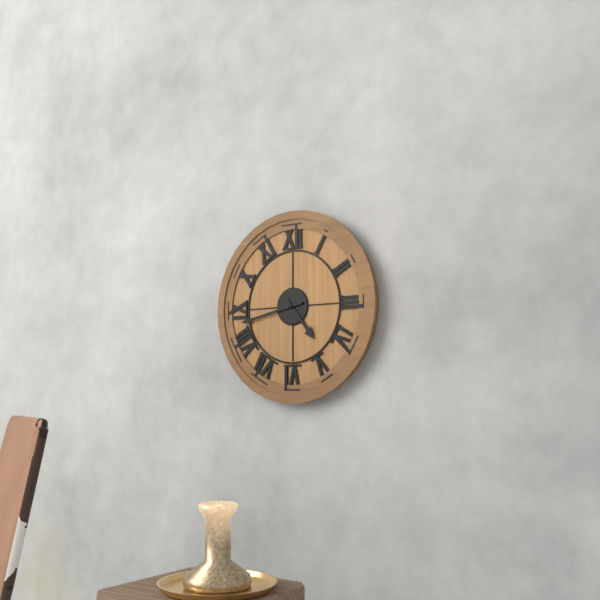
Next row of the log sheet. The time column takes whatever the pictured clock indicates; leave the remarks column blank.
4:43
